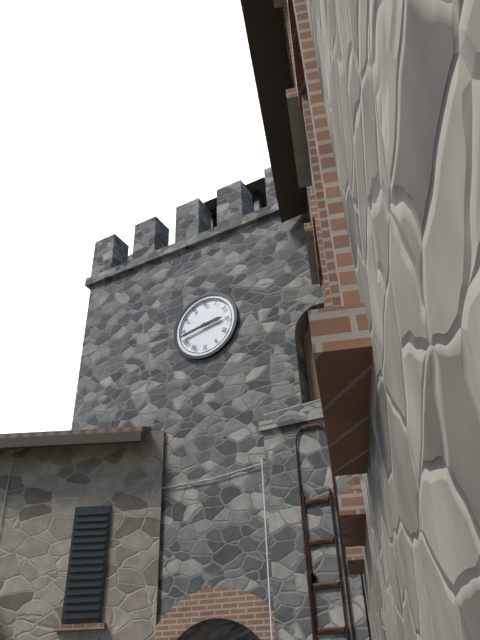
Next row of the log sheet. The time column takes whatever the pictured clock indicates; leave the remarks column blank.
2:43
